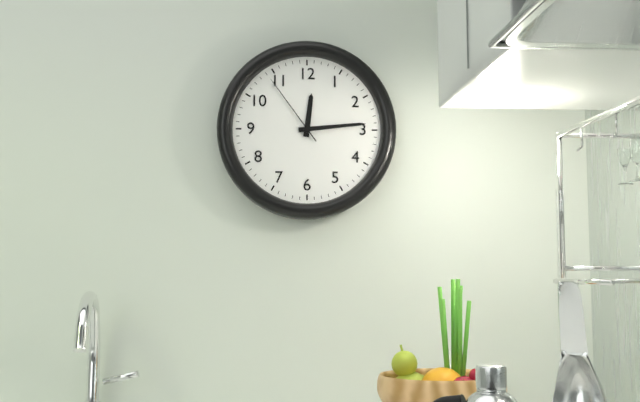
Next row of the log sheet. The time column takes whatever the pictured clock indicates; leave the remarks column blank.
12:14:54
